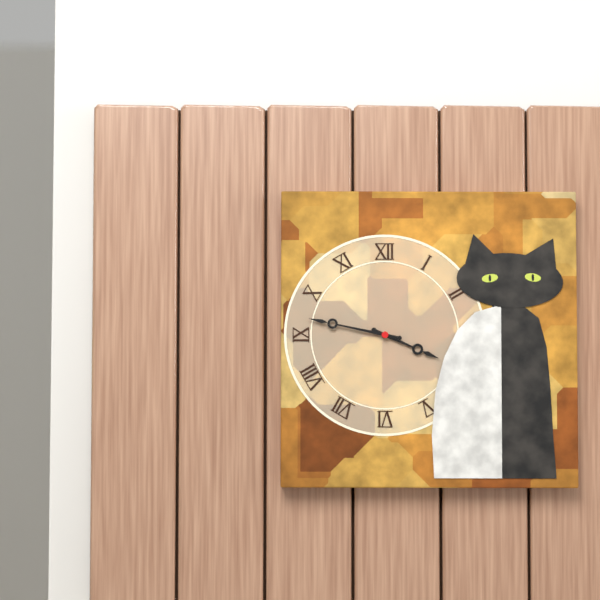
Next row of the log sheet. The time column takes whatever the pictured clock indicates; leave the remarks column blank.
3:47
